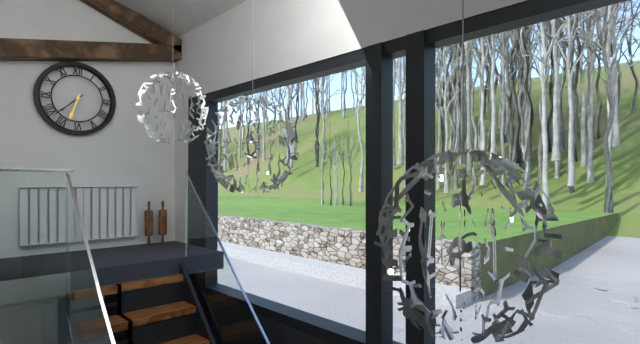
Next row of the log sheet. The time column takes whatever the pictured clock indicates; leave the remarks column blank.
6:38
